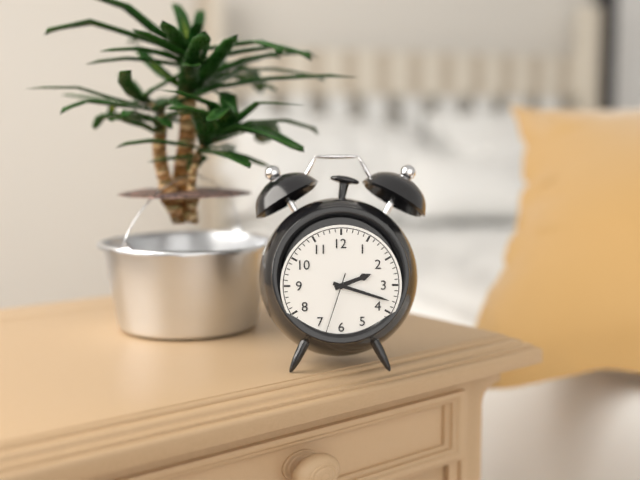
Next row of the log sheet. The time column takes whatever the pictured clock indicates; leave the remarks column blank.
2:18:33
